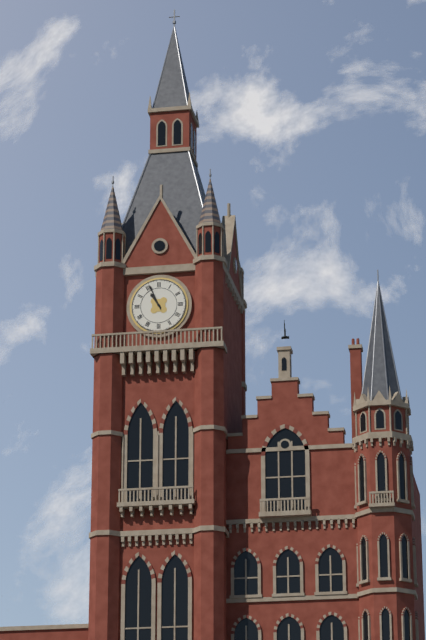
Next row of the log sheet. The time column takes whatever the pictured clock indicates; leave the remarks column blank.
10:56
